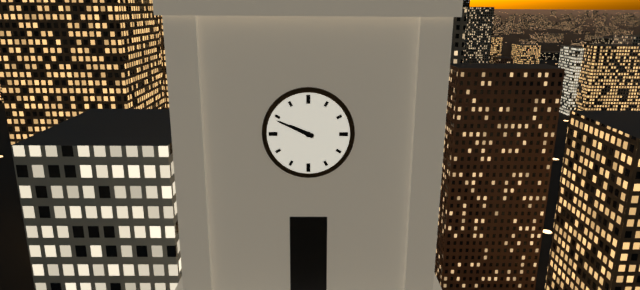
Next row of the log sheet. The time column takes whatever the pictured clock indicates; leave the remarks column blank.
9:49
